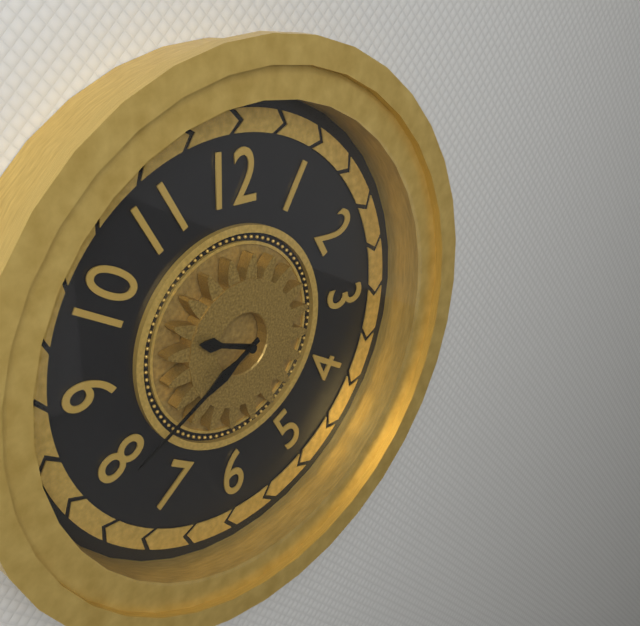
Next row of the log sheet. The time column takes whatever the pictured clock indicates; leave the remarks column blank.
9:40
